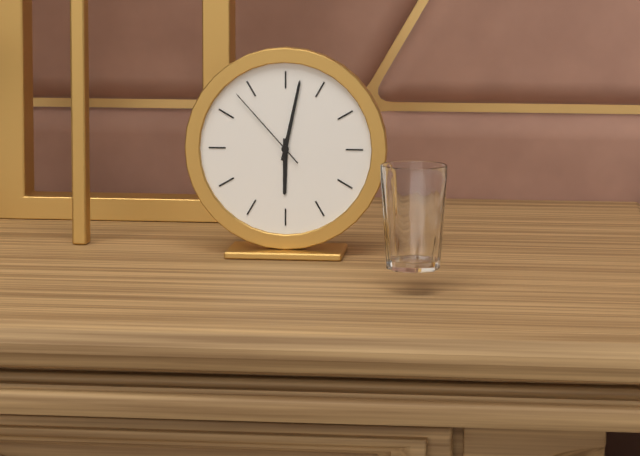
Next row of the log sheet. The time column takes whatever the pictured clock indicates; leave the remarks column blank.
6:02:53
